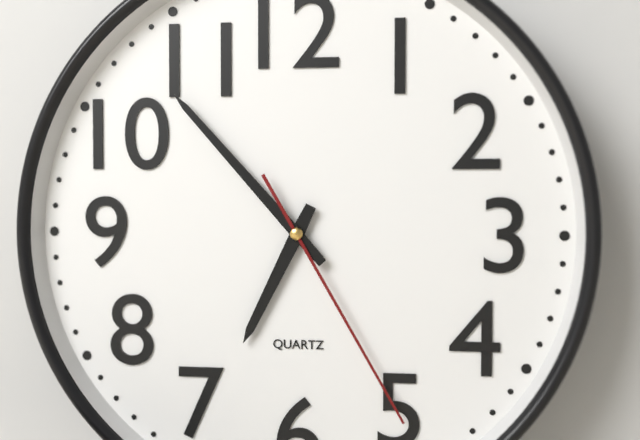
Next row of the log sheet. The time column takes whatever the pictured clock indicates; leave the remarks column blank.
6:53:25
